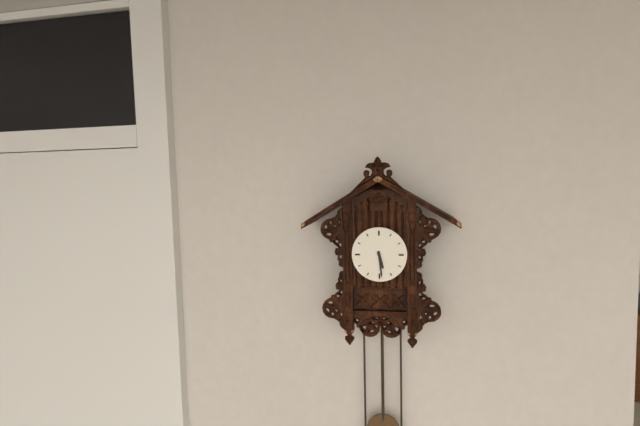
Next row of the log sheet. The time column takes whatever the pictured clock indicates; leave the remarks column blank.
5:29
